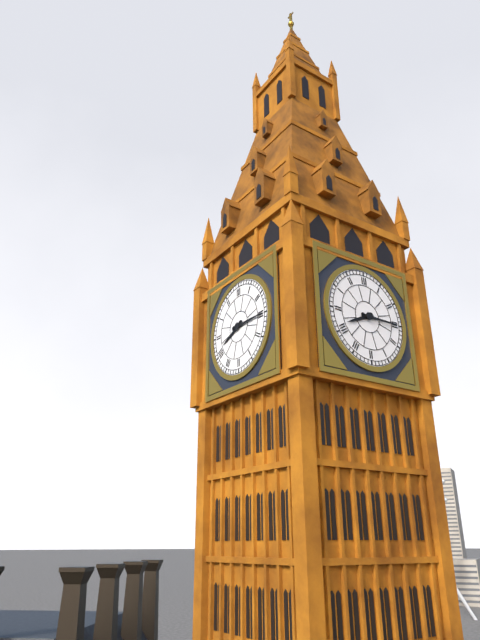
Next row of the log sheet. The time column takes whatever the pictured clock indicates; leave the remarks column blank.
8:15
